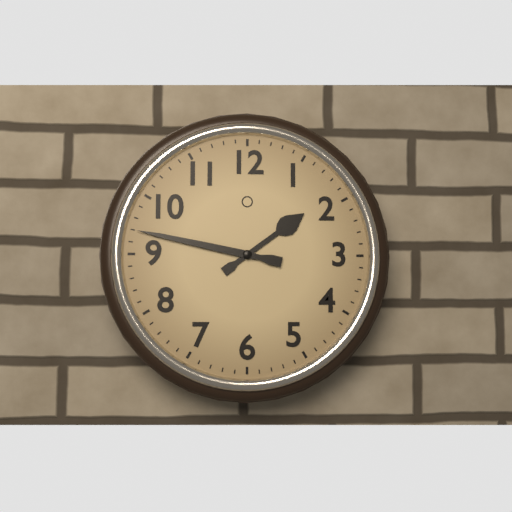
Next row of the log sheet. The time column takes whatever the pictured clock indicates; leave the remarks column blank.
1:47
